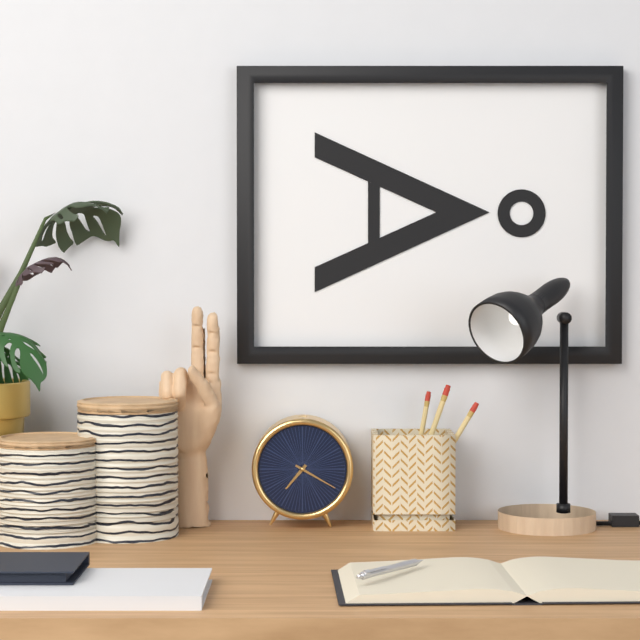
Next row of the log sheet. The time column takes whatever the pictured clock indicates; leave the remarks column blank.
7:20
